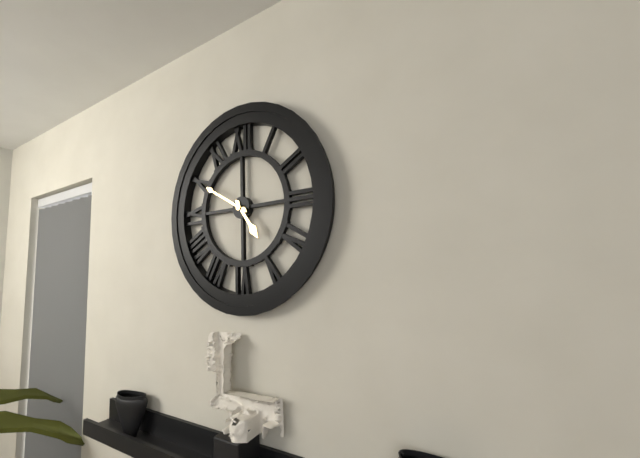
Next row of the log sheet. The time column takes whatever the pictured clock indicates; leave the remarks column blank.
4:50
